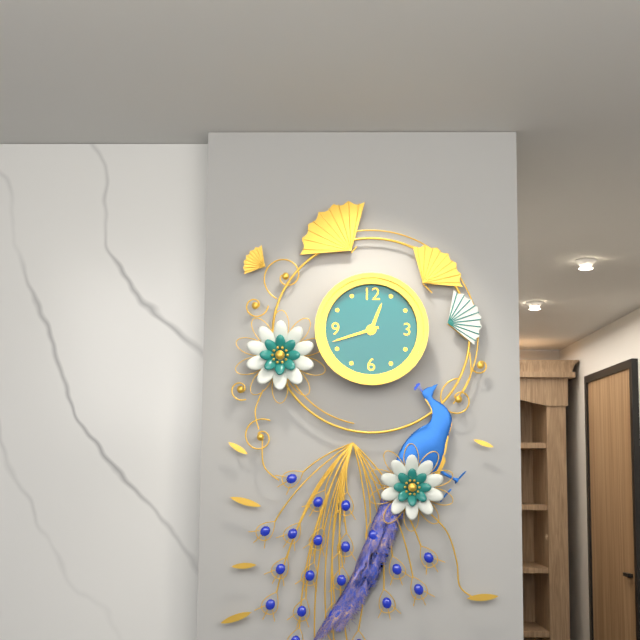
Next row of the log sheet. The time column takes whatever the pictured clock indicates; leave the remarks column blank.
12:42
